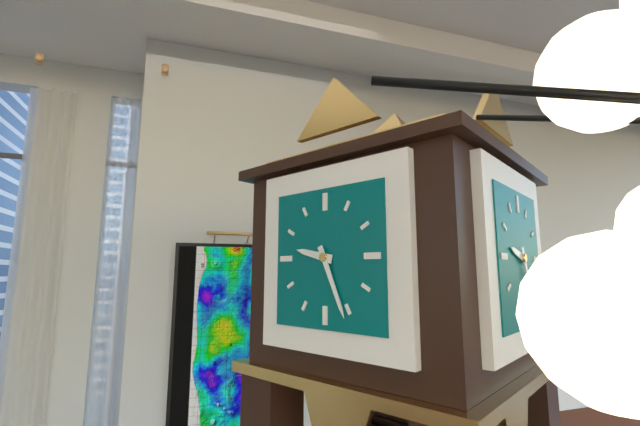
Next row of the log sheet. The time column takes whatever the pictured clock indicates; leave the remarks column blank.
9:26
